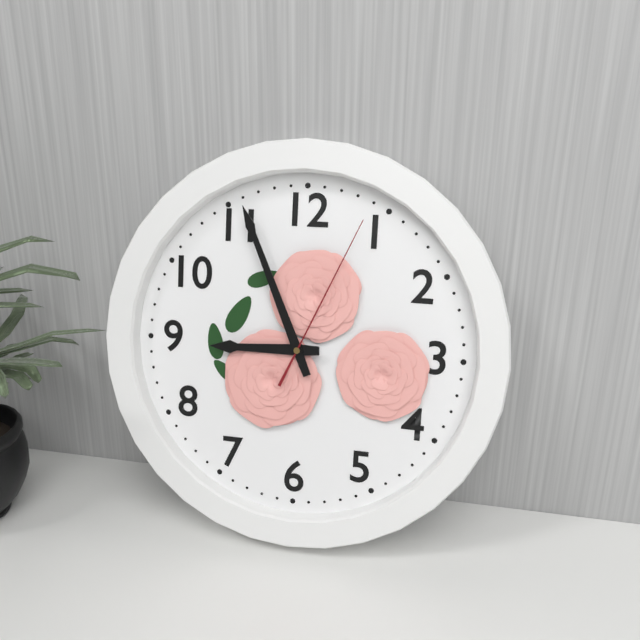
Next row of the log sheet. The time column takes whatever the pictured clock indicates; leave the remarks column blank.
8:56:04
